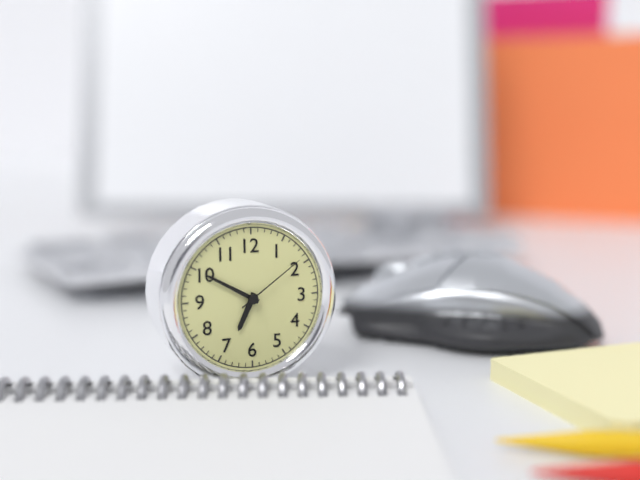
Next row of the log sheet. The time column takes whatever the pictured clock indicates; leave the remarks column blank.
6:50:09
